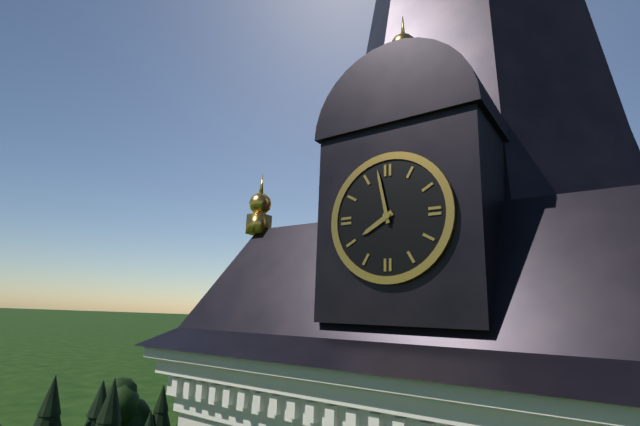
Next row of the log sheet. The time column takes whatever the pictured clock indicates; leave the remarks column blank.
7:58
